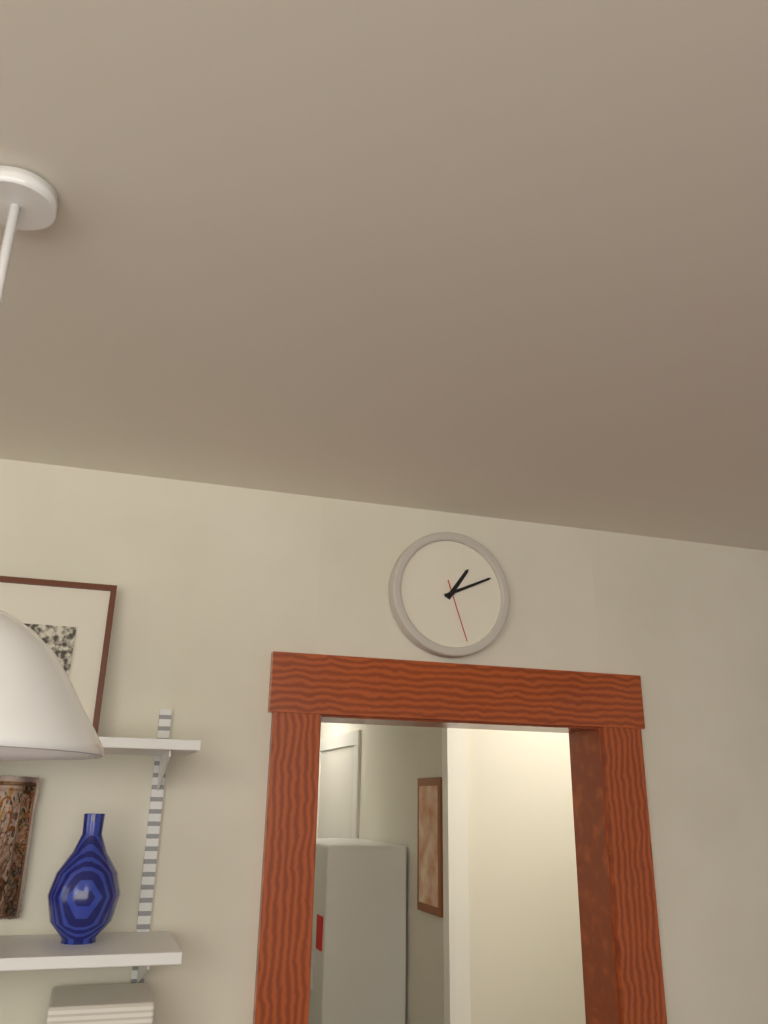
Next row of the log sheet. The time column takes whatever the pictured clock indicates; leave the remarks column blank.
1:11:27
